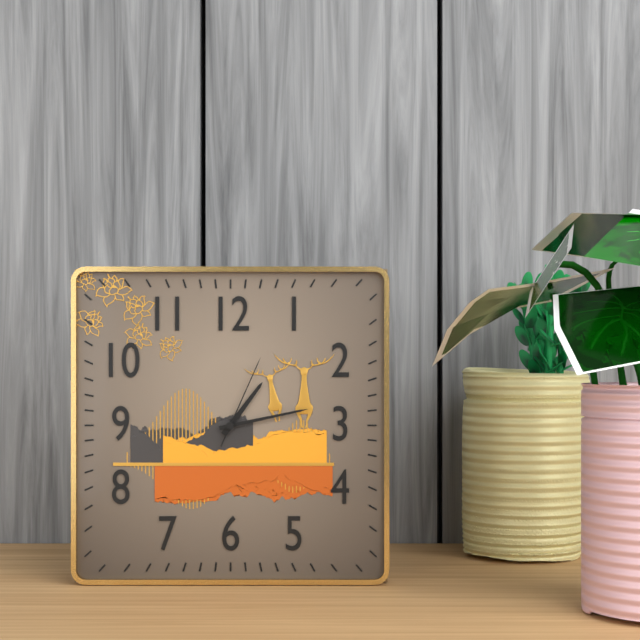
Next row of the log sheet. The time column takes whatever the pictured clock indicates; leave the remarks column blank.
1:13:04
